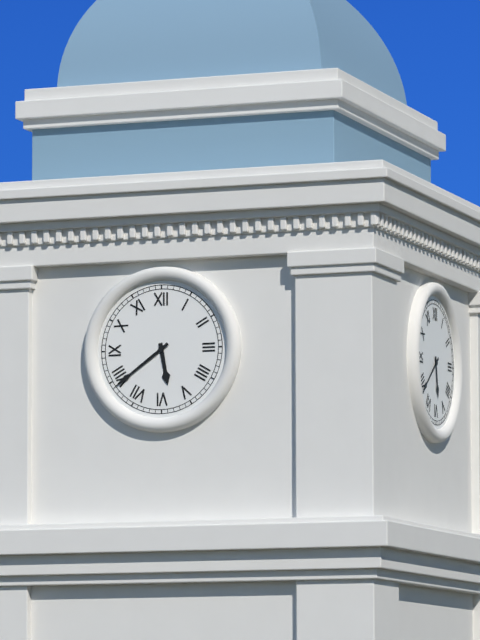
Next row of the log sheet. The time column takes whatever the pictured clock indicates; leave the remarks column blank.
5:39
